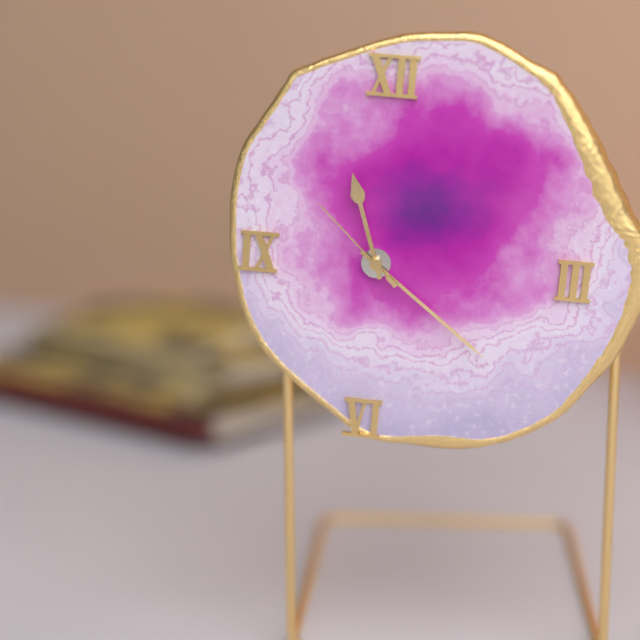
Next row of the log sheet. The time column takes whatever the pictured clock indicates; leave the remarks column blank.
11:21:52
